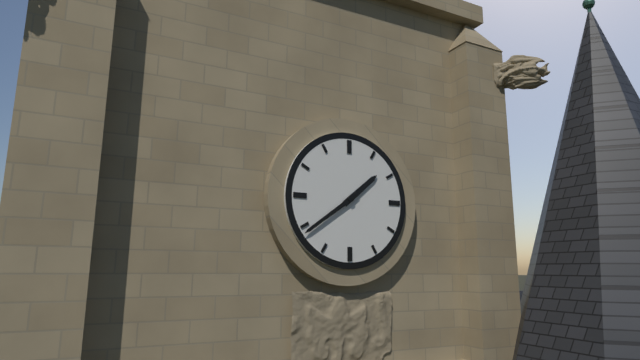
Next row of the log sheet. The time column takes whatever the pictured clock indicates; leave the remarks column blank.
1:39
